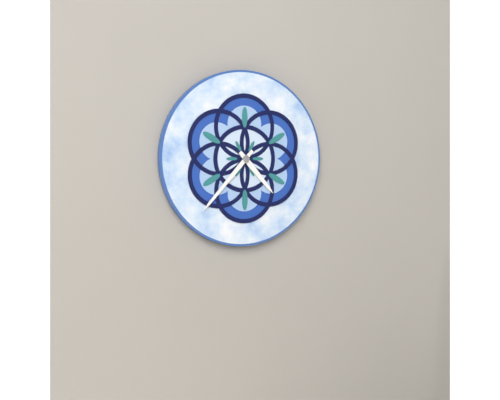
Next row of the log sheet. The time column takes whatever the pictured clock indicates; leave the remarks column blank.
4:37
